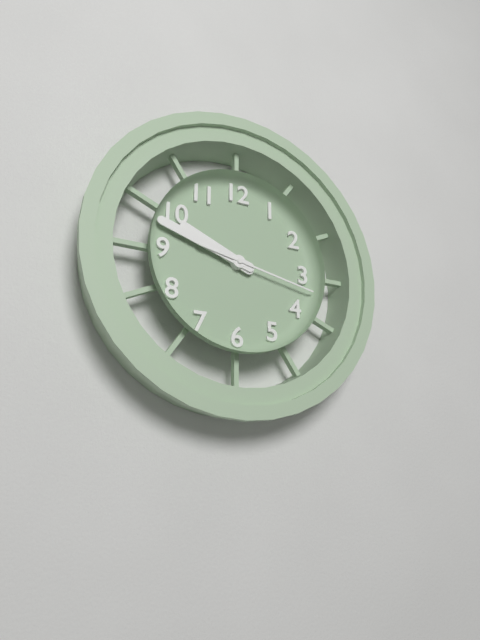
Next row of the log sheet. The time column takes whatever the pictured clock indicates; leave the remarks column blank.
9:48:17
